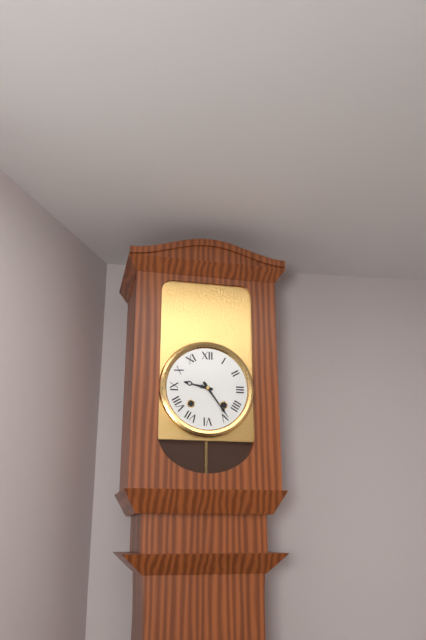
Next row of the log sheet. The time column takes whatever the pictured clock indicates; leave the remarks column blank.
9:24
